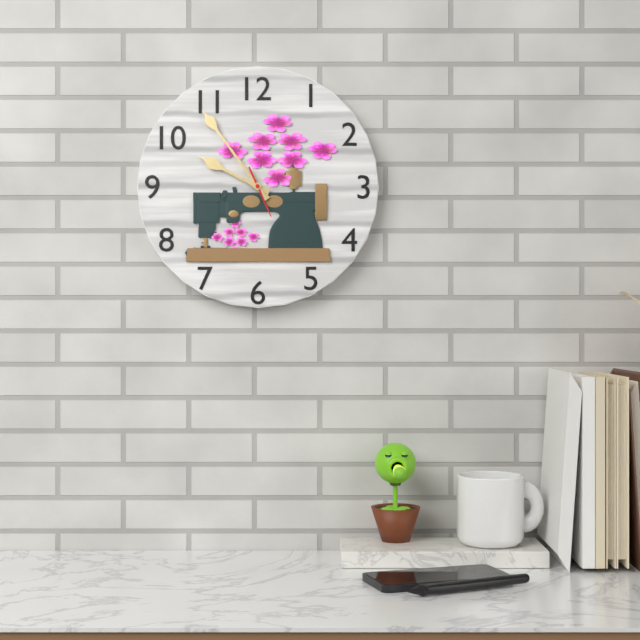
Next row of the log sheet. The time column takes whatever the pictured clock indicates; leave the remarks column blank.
9:54
